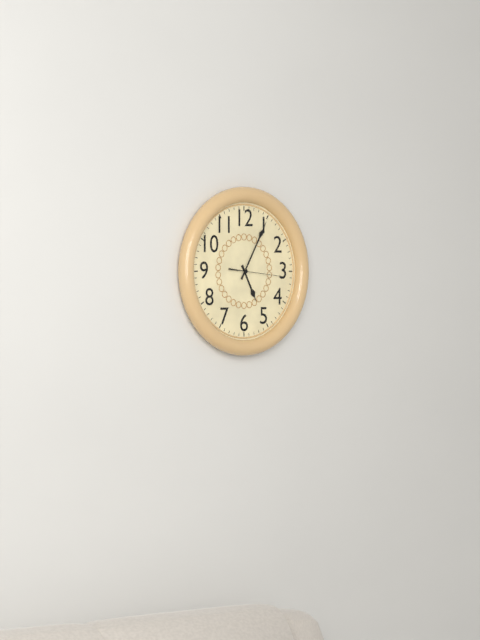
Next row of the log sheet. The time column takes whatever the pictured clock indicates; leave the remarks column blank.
5:05:16
